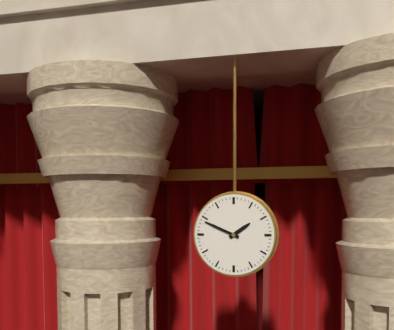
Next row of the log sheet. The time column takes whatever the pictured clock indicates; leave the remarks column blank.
1:49
